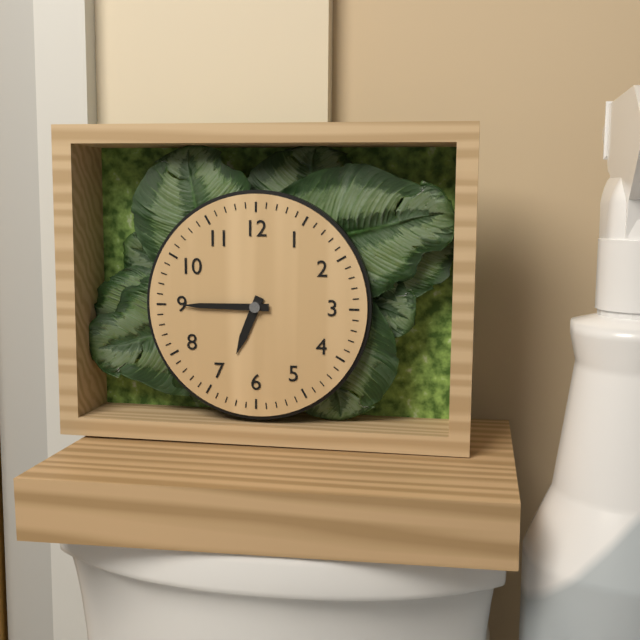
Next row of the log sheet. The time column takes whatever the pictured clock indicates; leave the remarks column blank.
6:45
